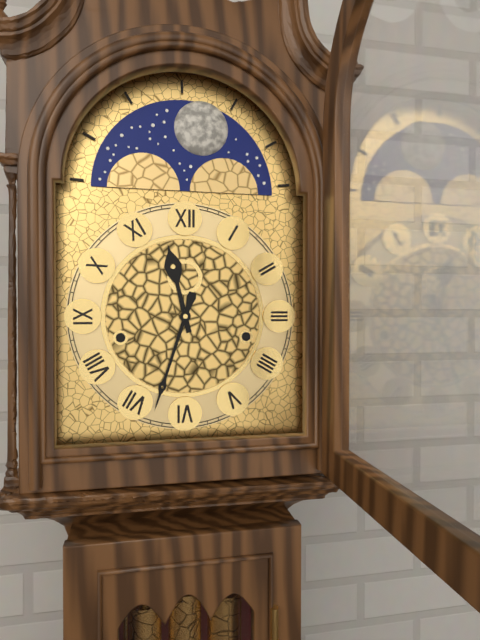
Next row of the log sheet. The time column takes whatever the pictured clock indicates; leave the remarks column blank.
11:33
